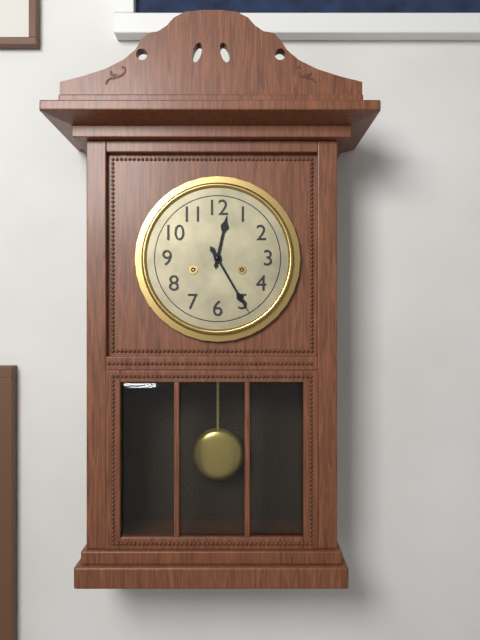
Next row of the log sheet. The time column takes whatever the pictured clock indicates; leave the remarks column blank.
12:25
